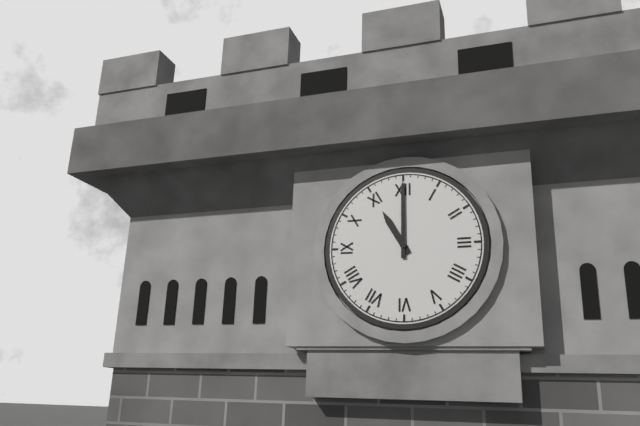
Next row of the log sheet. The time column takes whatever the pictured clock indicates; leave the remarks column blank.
11:00
